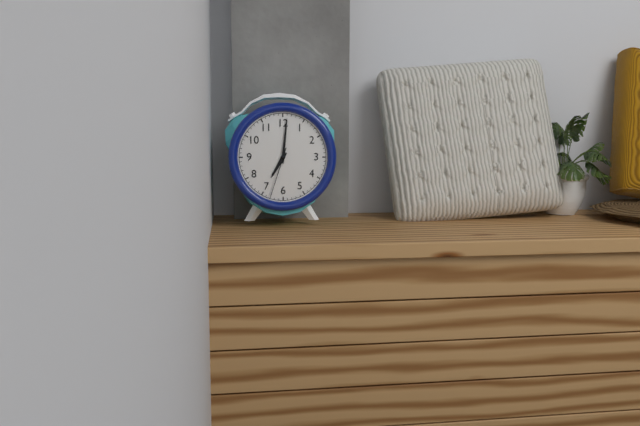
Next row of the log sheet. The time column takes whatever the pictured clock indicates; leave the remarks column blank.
7:01:33
